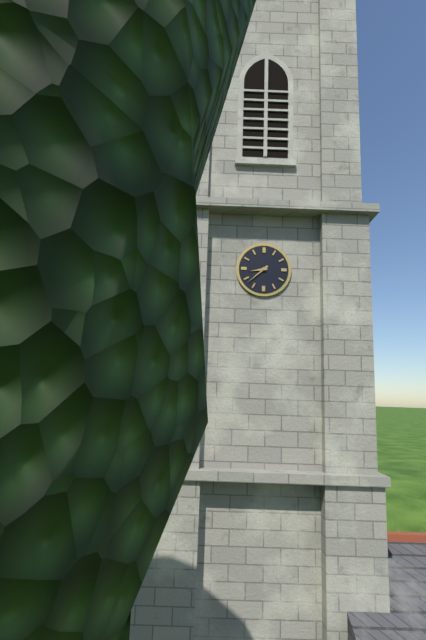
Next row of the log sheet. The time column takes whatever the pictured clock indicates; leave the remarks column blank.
8:38
